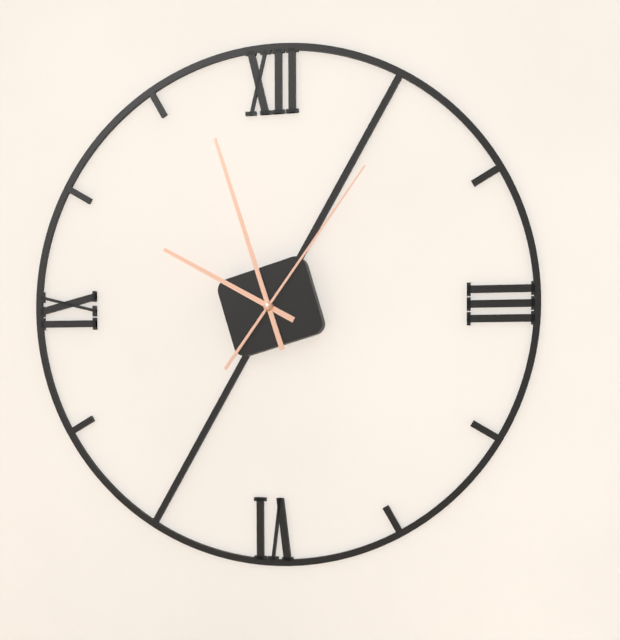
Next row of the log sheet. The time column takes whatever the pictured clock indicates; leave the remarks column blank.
9:57:06
